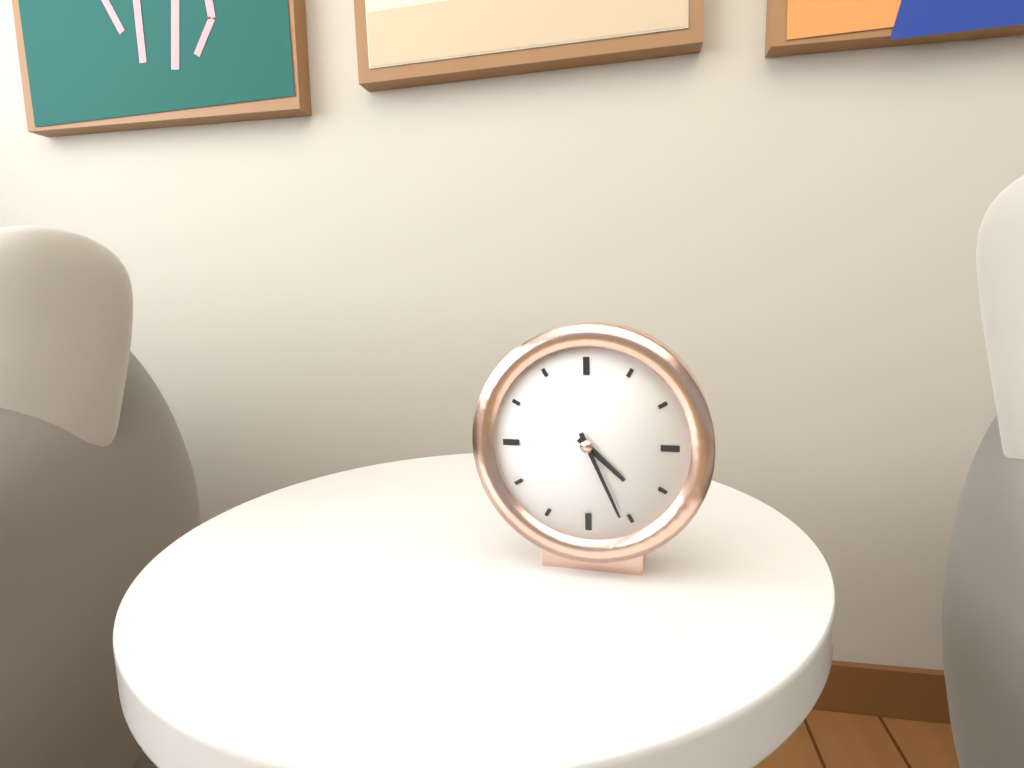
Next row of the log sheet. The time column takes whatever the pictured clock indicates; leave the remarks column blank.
4:26
